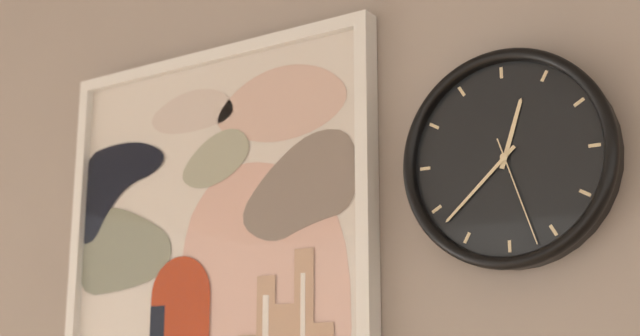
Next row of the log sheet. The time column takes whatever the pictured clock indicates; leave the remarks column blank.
12:38:27
